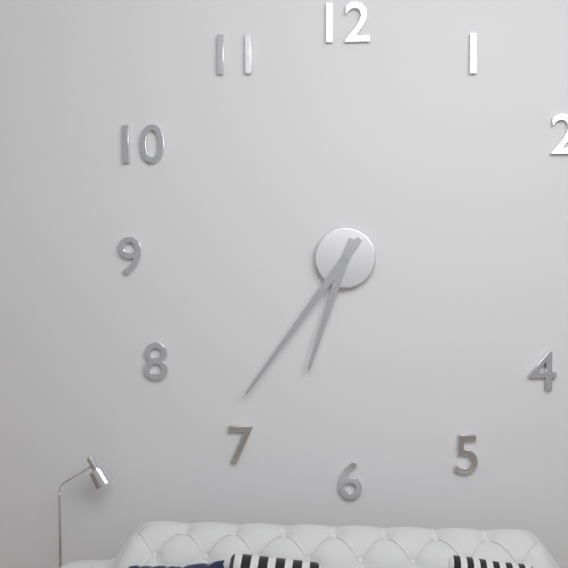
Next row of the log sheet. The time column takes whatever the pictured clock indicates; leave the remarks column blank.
6:36
